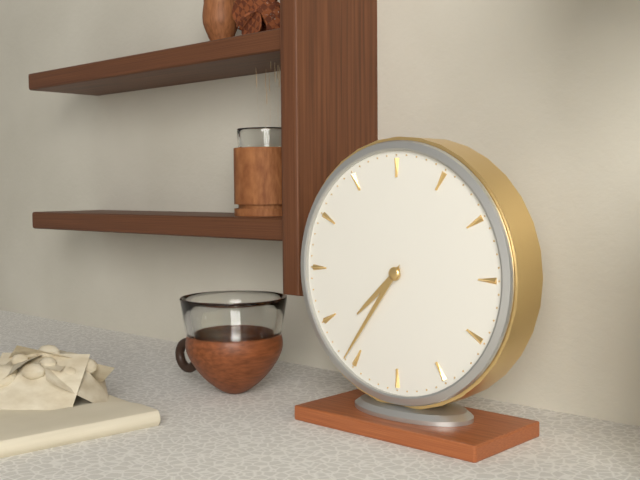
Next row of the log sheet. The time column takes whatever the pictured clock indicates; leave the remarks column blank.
7:36
